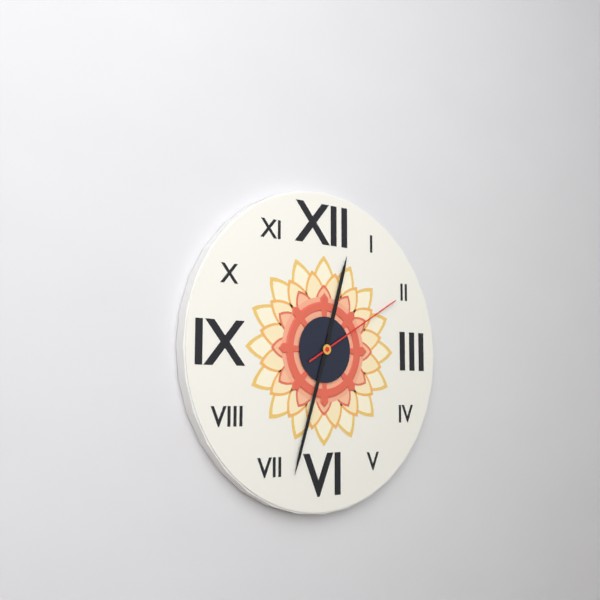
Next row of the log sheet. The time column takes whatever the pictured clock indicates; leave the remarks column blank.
12:33:10
